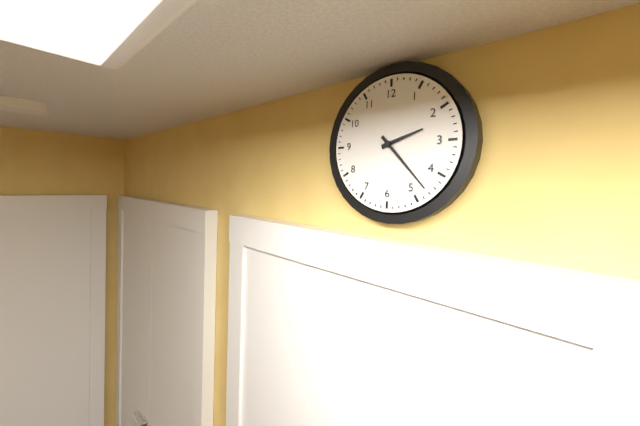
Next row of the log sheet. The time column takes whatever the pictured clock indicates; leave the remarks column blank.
2:23
